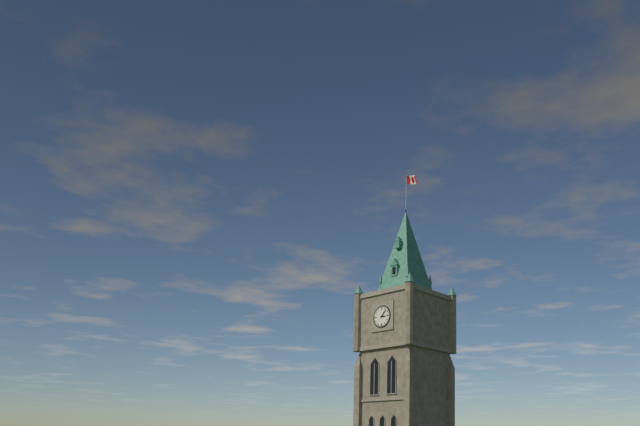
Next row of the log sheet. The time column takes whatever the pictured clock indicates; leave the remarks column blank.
3:07
